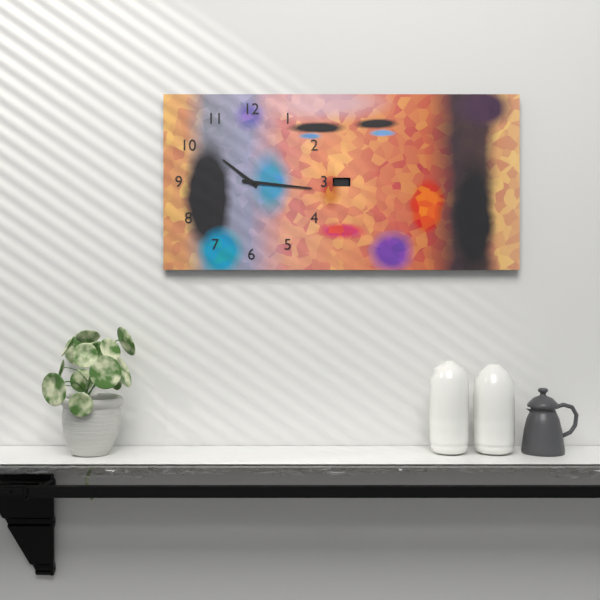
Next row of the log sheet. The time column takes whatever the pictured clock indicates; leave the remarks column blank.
10:16
